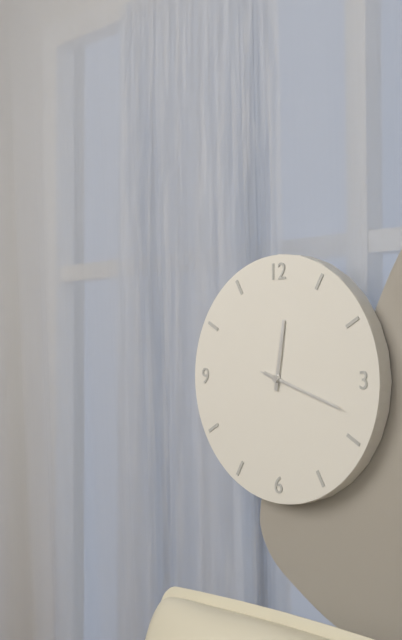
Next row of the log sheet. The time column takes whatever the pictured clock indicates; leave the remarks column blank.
12:18:18
